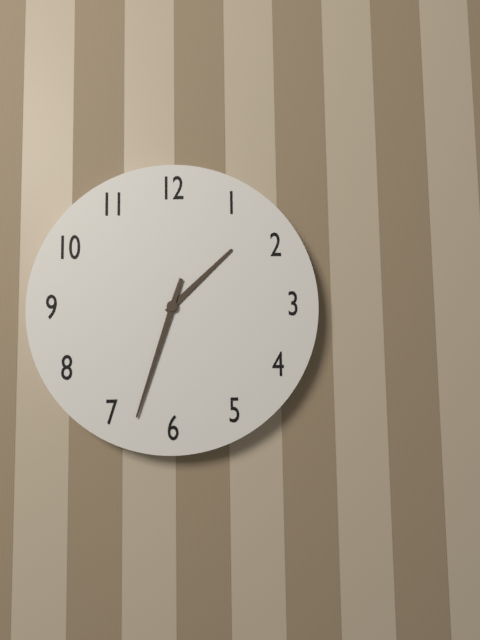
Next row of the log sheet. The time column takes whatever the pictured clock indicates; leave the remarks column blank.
1:33
